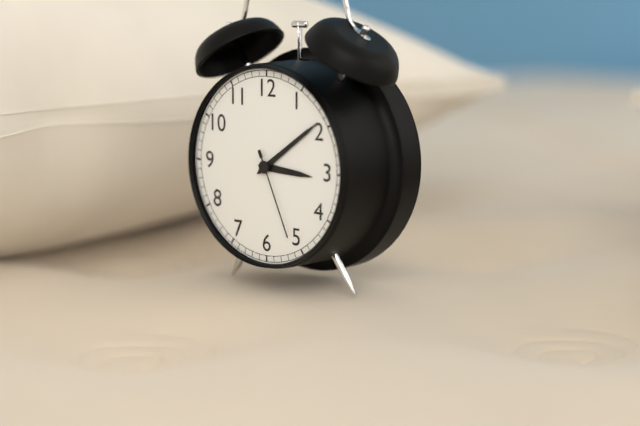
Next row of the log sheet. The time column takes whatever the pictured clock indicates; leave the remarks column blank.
3:09:26
